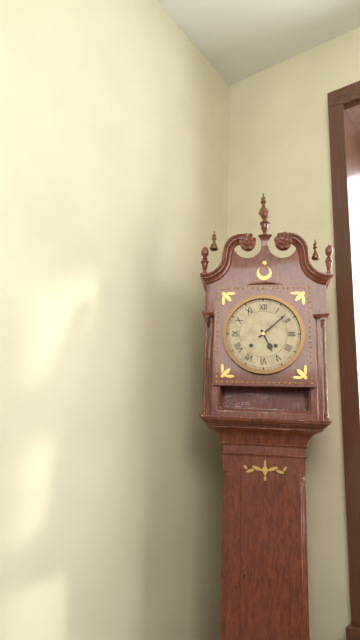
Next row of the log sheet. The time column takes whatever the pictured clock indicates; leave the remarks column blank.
5:08
